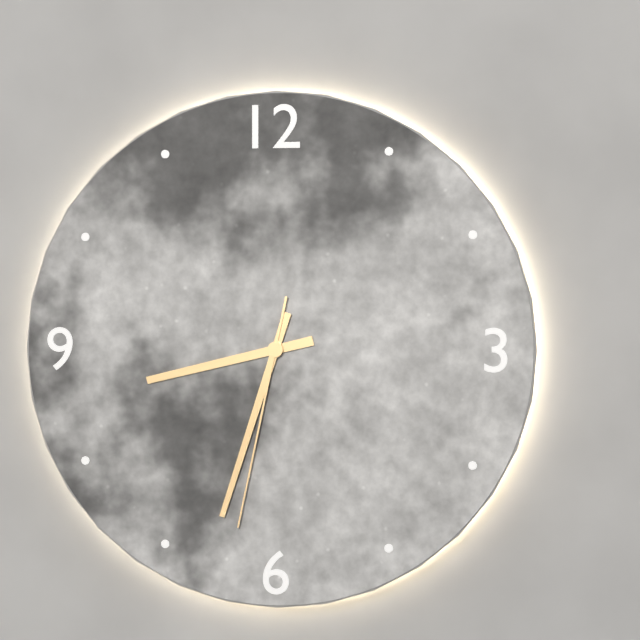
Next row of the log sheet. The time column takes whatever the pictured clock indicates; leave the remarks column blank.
8:33:32
